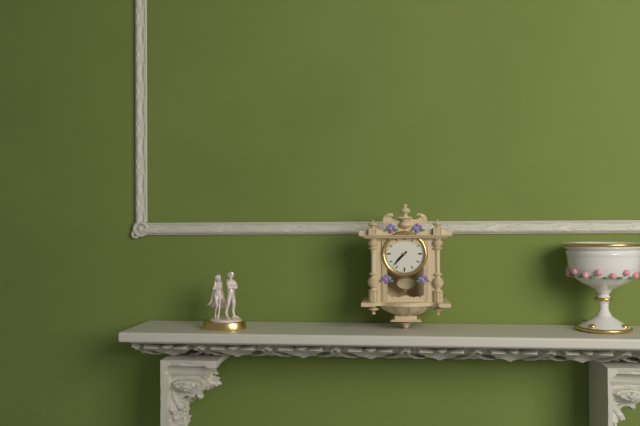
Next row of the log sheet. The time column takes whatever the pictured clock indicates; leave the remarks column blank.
7:37
